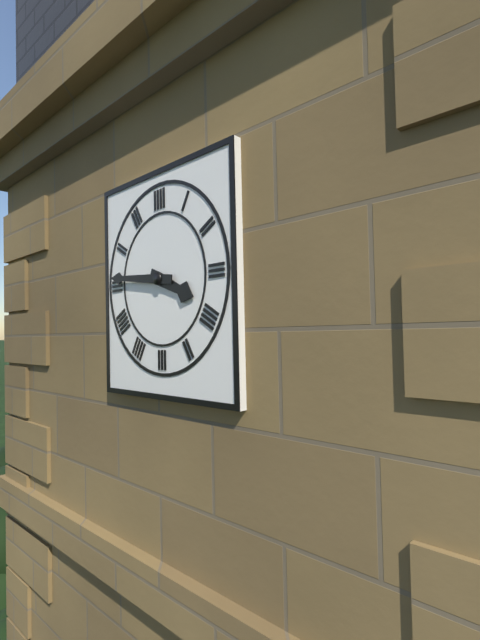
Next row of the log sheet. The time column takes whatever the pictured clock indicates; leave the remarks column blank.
3:46
